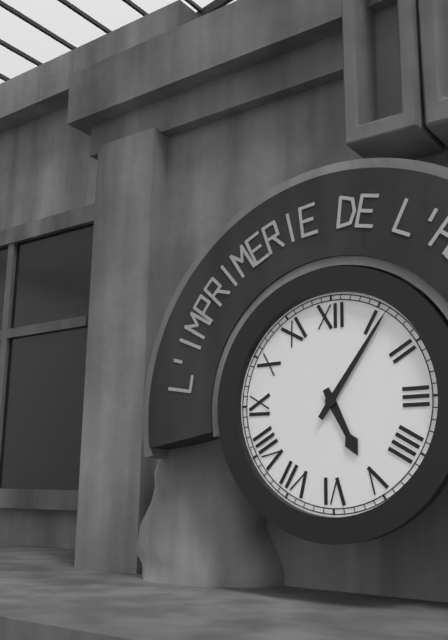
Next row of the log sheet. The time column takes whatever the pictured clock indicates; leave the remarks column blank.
5:06
